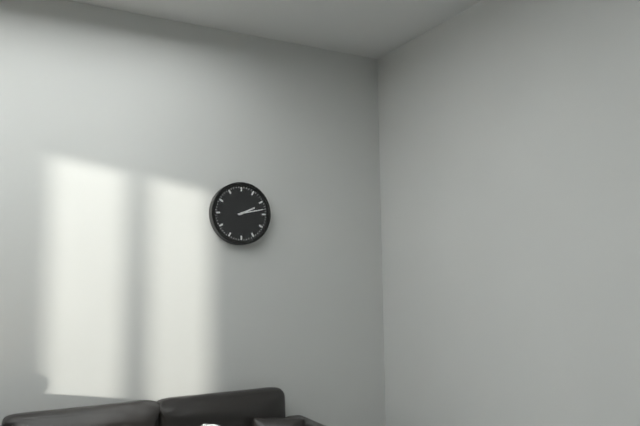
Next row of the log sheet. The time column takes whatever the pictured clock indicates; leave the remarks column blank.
2:13
